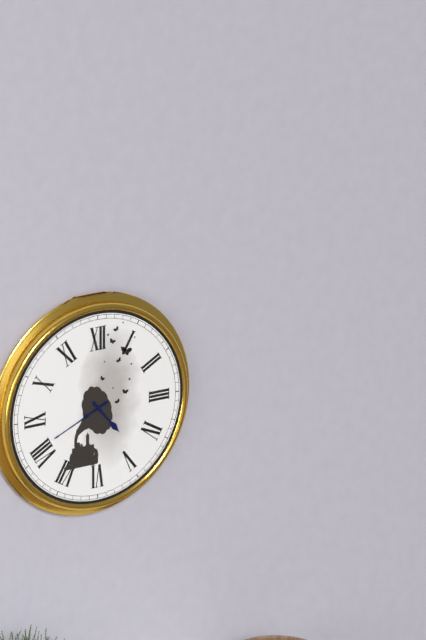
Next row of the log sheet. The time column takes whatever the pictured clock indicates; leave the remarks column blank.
4:41
